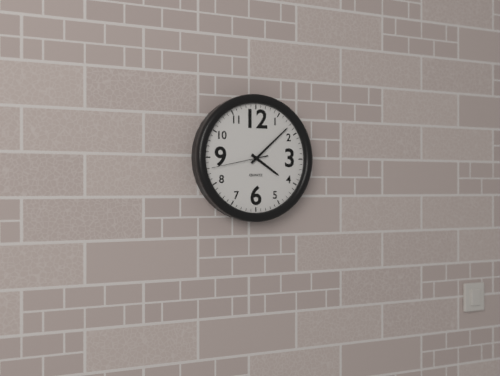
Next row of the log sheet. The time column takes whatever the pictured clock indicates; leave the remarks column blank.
4:08:43
